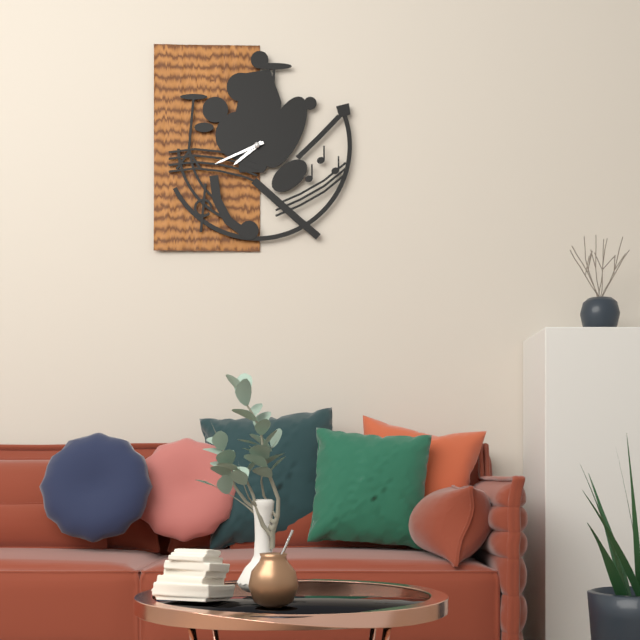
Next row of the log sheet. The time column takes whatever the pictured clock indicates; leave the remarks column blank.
7:41
